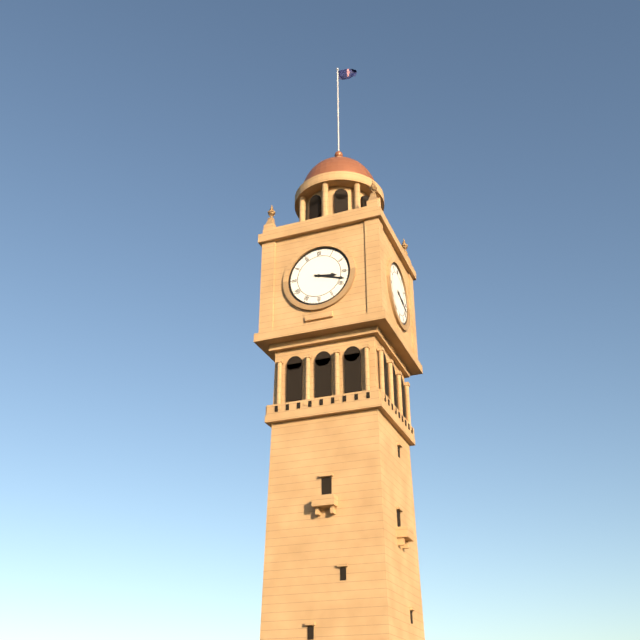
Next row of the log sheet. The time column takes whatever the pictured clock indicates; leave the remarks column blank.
3:18
